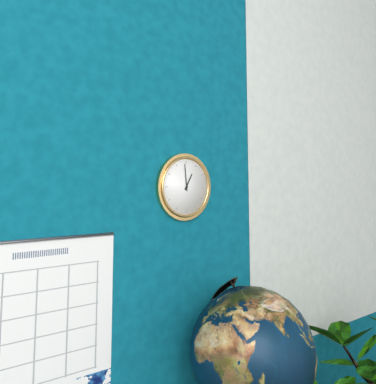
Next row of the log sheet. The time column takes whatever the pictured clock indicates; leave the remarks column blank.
12:59
